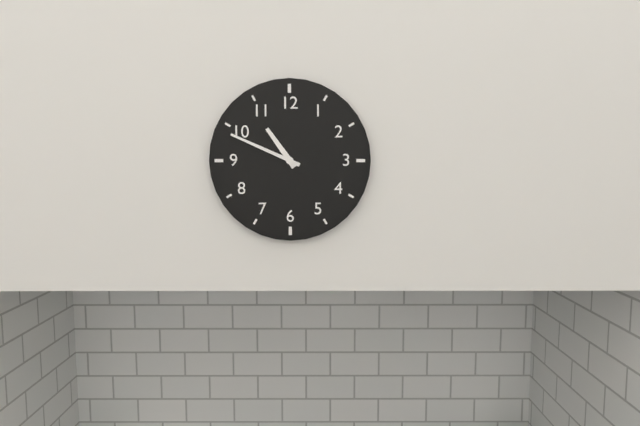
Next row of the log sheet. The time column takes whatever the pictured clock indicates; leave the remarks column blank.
10:49
